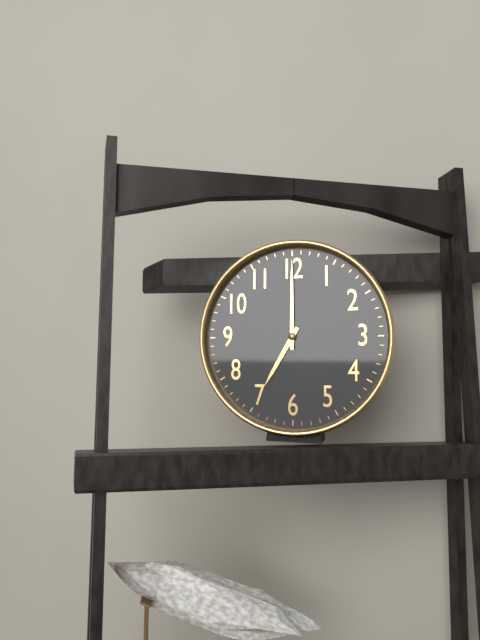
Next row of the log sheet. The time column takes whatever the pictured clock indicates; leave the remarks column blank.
7:00
